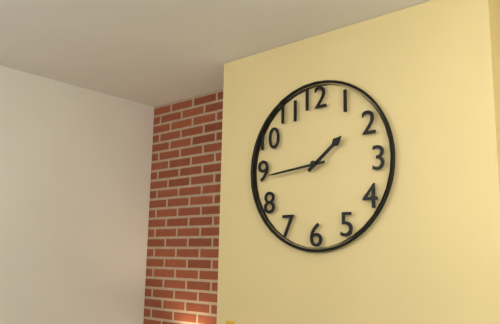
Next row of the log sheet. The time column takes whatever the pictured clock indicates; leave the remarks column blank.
1:44
